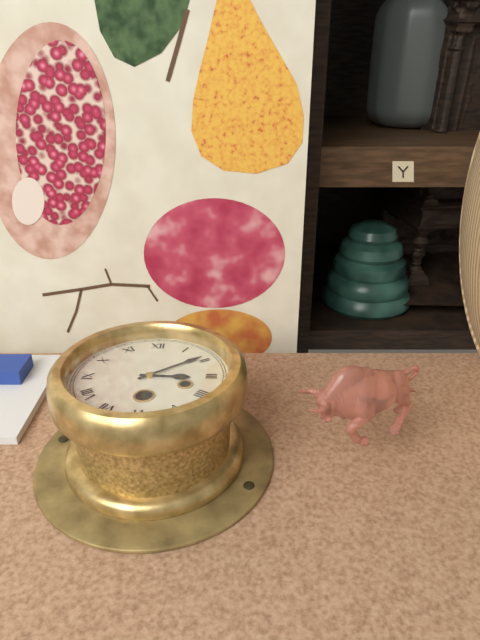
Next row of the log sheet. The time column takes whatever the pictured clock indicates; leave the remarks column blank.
3:09
